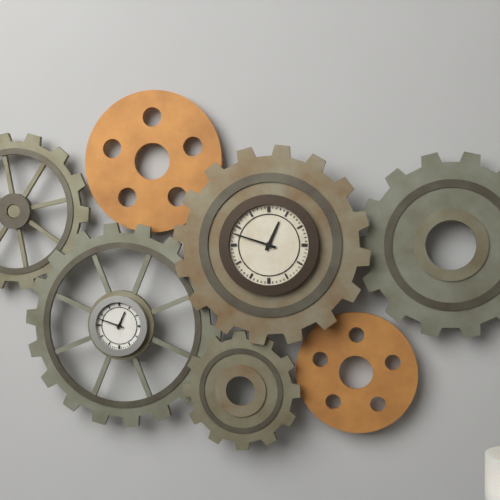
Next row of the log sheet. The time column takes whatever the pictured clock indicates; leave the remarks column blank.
12:48
